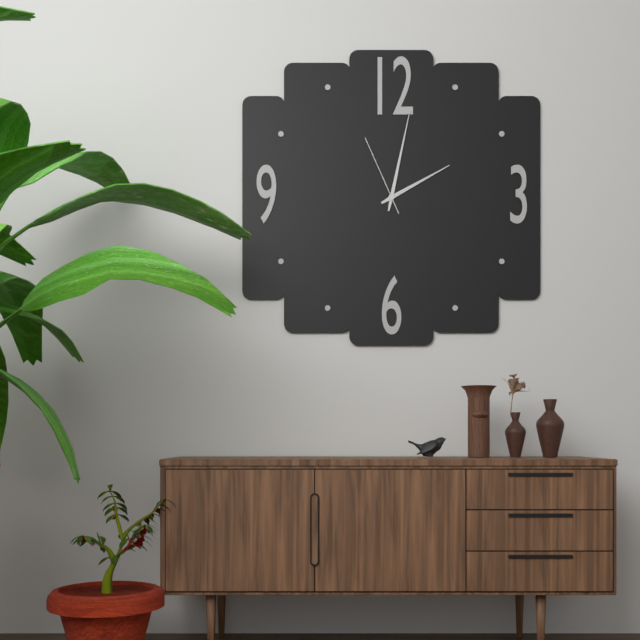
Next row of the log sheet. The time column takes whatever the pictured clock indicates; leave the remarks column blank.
2:02:56
